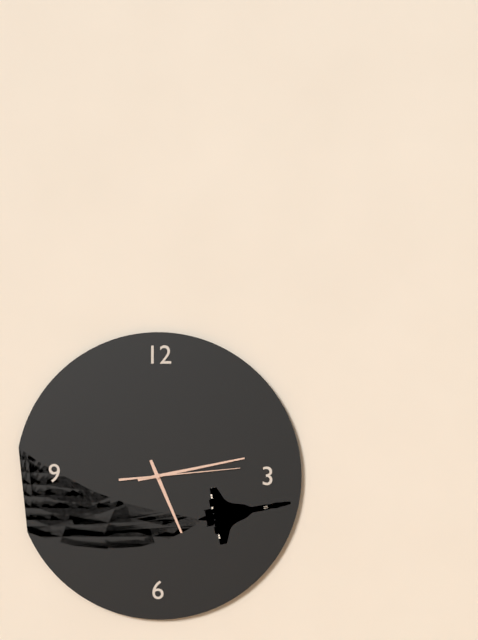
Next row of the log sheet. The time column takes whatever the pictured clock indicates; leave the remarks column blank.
5:13:14
